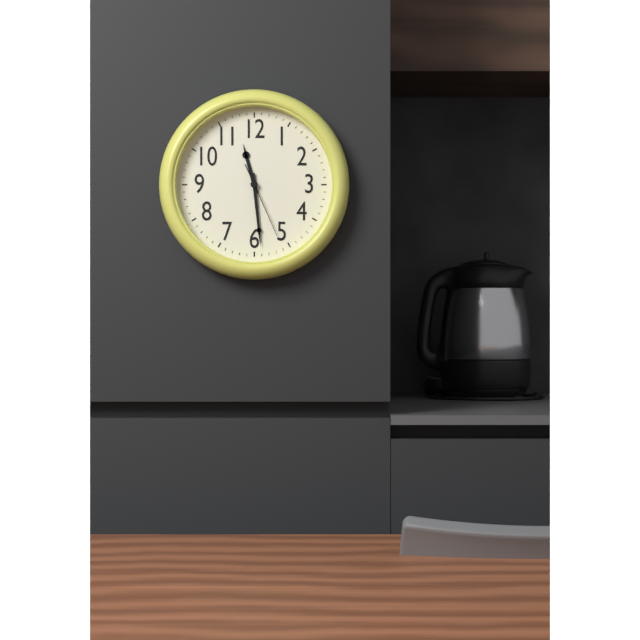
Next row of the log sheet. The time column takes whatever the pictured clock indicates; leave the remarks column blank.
11:29:26
